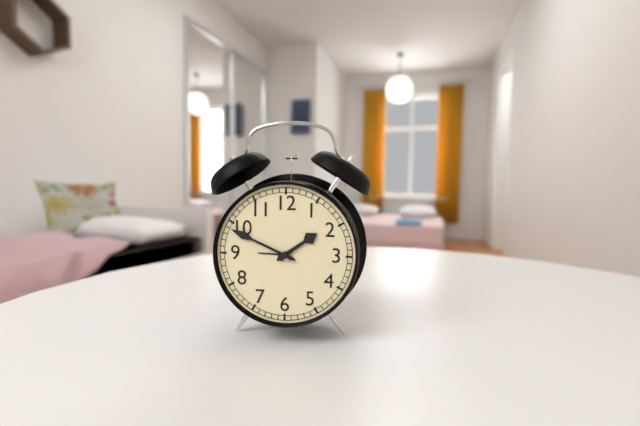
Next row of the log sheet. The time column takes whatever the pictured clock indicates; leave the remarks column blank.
1:49
